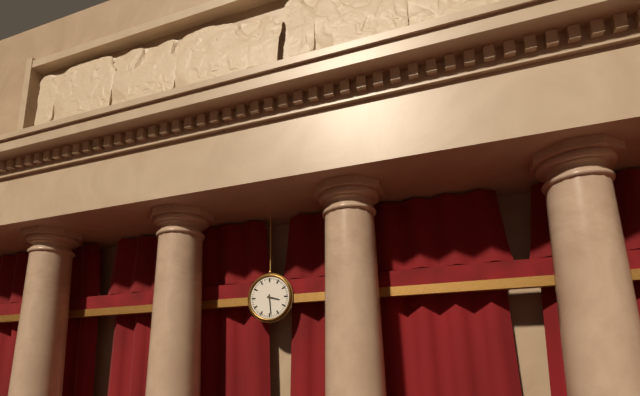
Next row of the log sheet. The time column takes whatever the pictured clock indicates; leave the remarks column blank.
3:29
